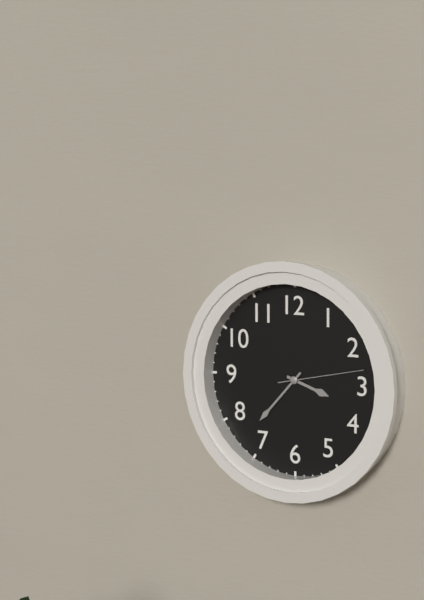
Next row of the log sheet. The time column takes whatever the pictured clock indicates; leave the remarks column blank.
3:37:13
